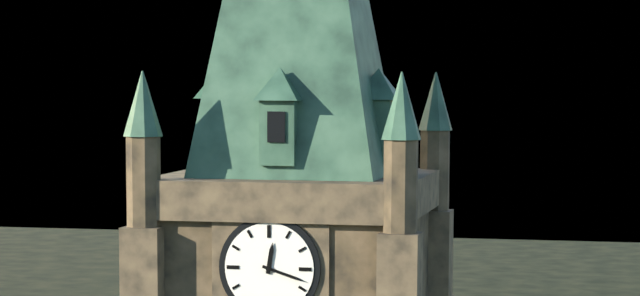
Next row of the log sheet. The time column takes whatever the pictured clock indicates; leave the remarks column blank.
12:18
